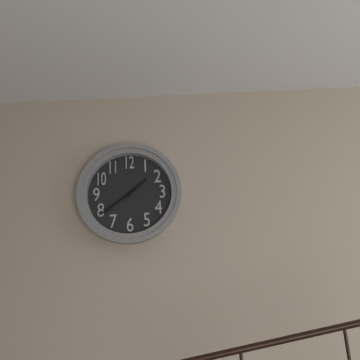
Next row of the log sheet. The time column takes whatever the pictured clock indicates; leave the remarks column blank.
1:39
